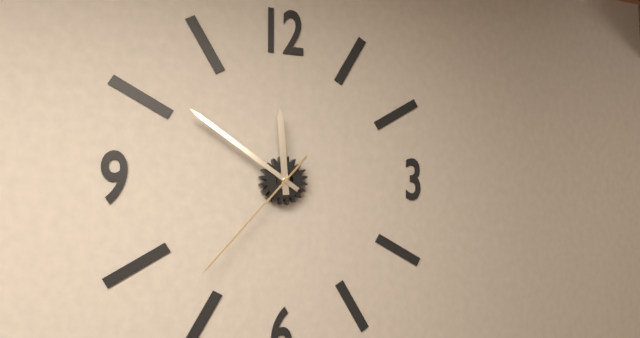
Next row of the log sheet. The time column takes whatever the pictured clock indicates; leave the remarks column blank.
11:51:37
